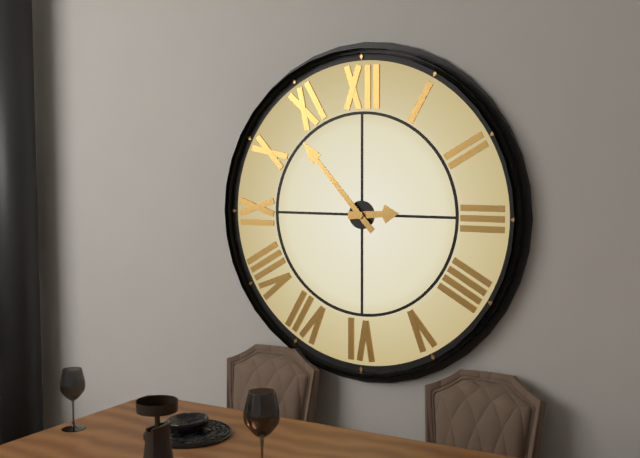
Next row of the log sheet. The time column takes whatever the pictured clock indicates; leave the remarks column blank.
2:53
